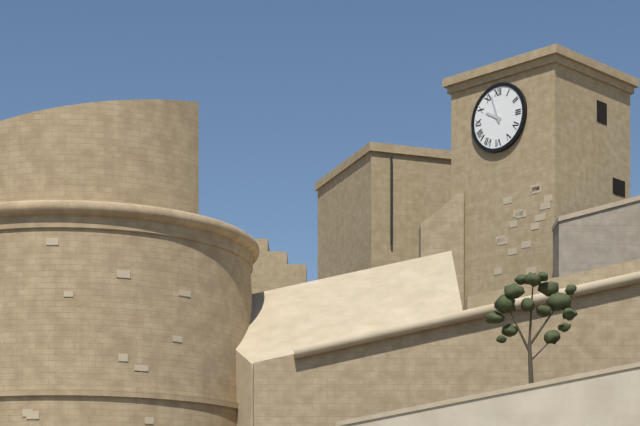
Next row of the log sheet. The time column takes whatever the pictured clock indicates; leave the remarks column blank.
9:57
